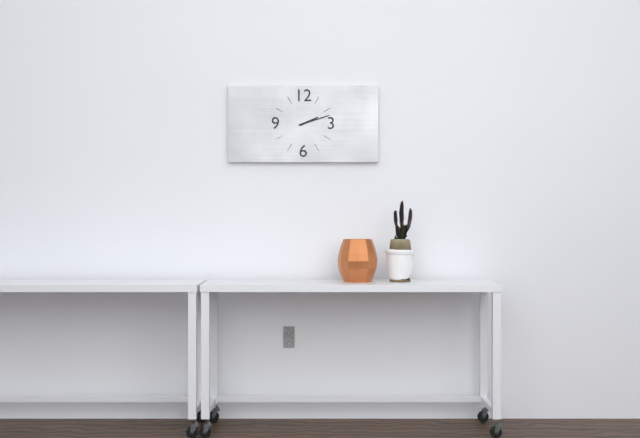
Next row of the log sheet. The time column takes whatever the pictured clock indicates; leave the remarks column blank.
2:12
